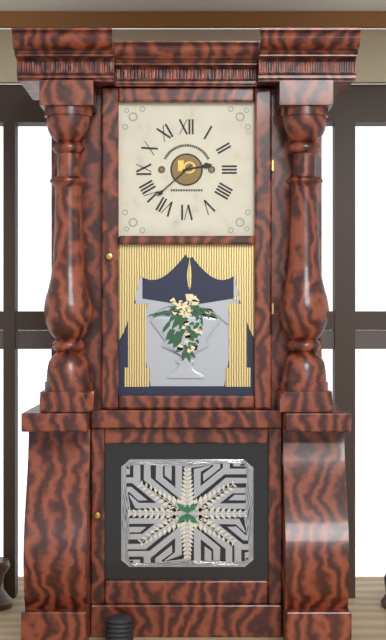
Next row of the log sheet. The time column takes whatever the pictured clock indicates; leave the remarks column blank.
2:38
